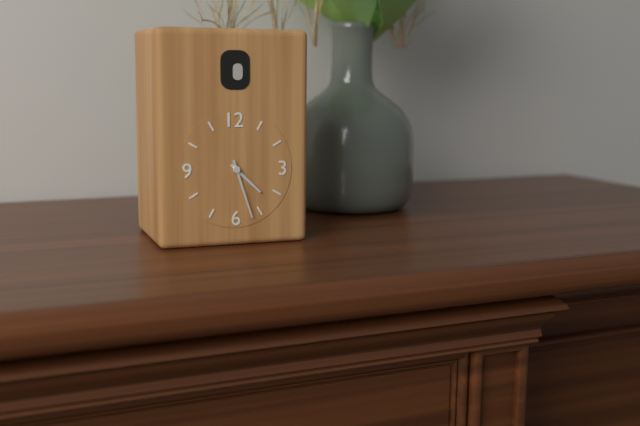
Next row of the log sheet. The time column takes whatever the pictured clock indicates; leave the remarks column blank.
4:27
